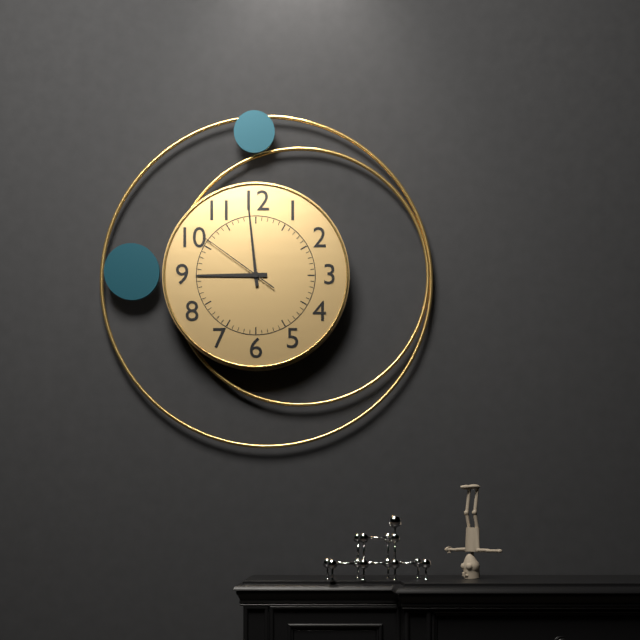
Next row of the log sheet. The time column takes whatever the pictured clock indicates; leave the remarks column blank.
8:59:51
